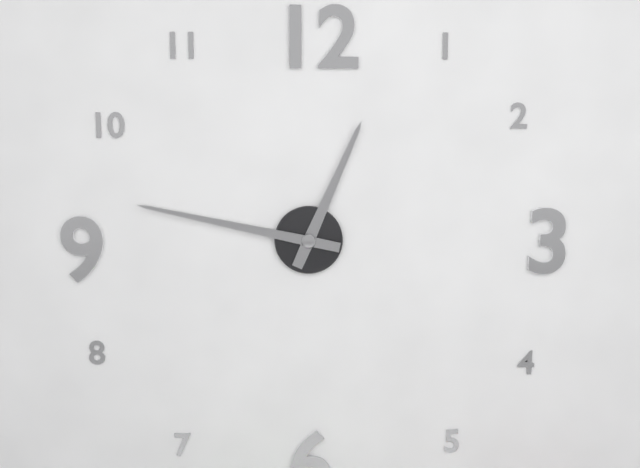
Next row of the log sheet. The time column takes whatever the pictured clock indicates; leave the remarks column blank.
12:47
